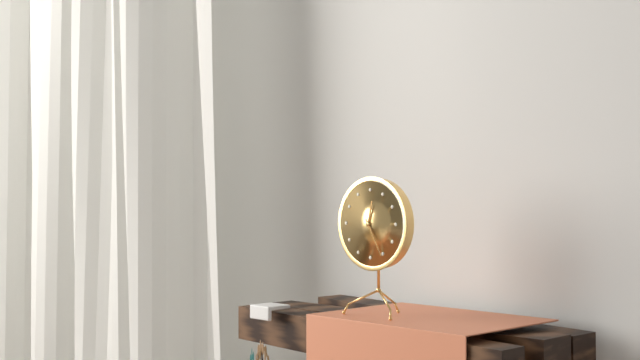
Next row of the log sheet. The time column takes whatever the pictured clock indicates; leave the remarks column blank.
12:25
